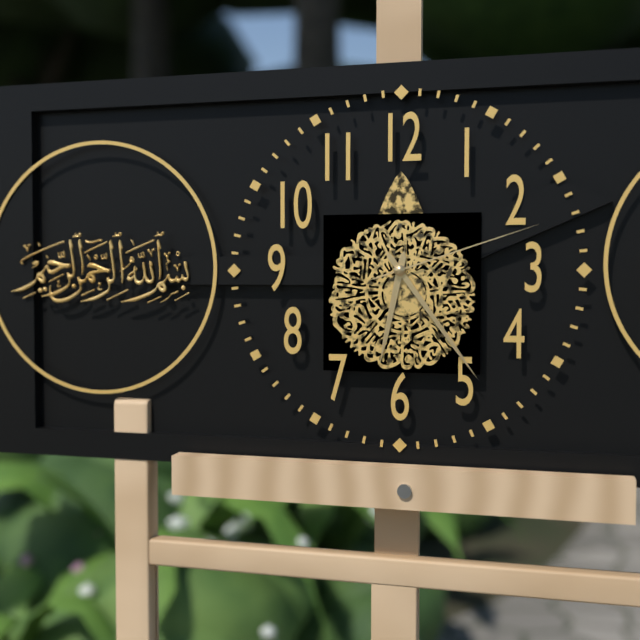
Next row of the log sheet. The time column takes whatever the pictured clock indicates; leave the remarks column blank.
6:24:12
